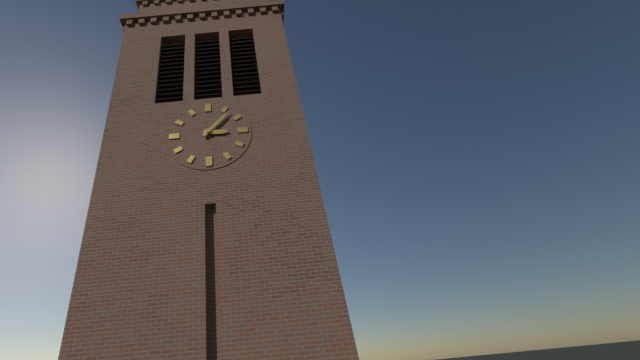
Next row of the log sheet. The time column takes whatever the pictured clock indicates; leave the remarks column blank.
3:07
